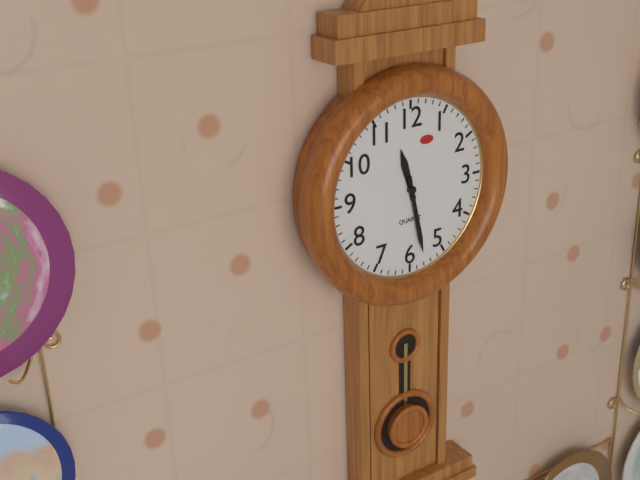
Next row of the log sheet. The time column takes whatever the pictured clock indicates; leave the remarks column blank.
11:28
